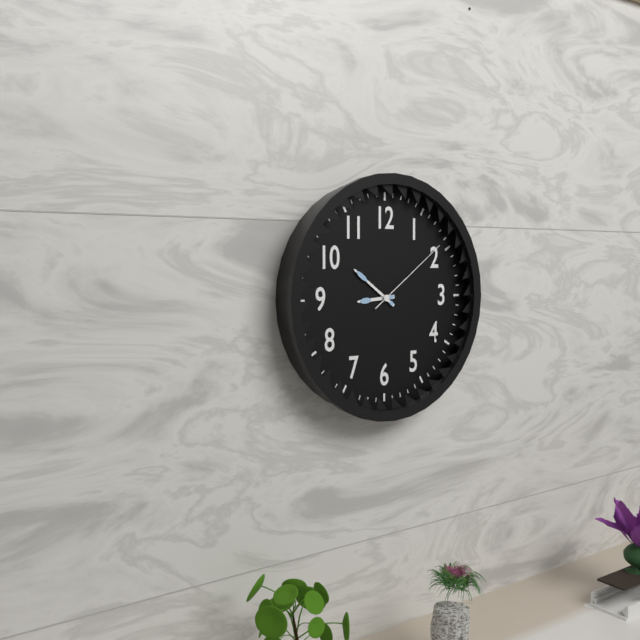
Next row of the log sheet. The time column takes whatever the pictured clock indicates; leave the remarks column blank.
8:51:09
